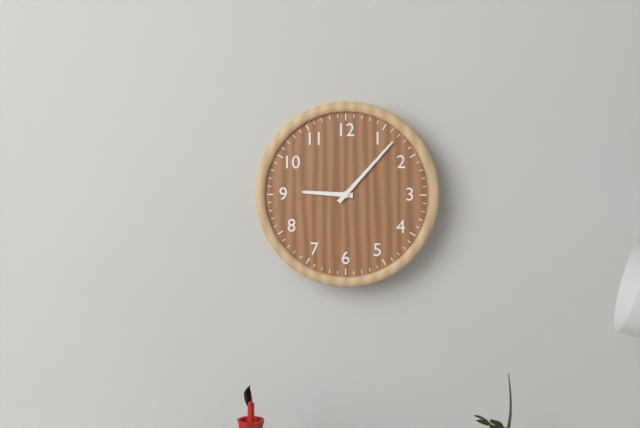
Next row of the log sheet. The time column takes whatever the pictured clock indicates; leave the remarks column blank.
9:07
